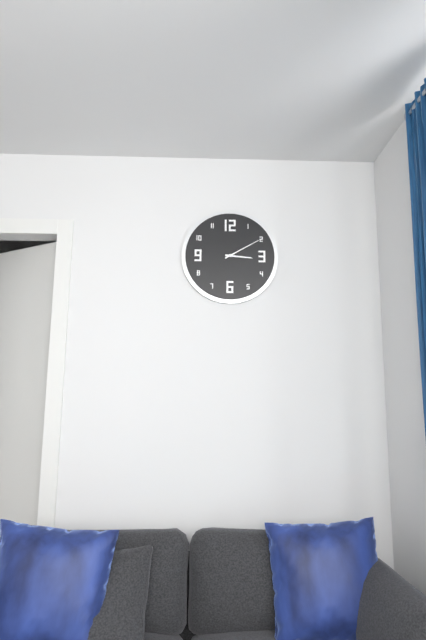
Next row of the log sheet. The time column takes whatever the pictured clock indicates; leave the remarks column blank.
3:10
